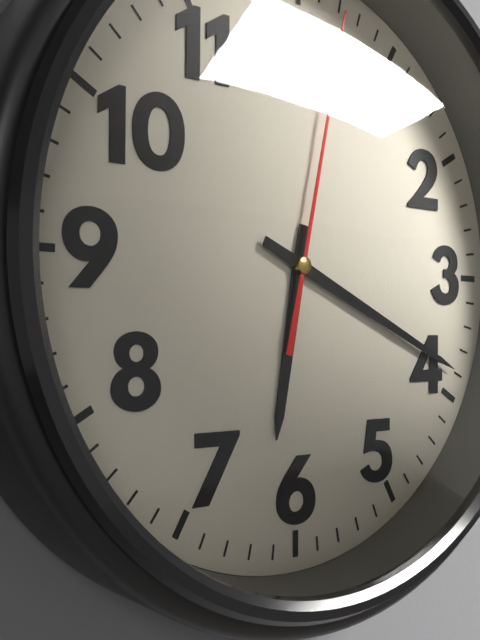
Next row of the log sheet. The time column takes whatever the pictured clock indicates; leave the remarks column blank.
6:19:02
